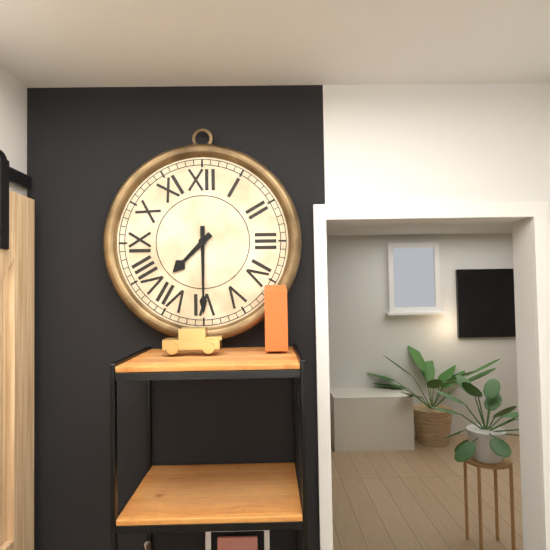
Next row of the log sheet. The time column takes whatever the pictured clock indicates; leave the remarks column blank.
7:30
